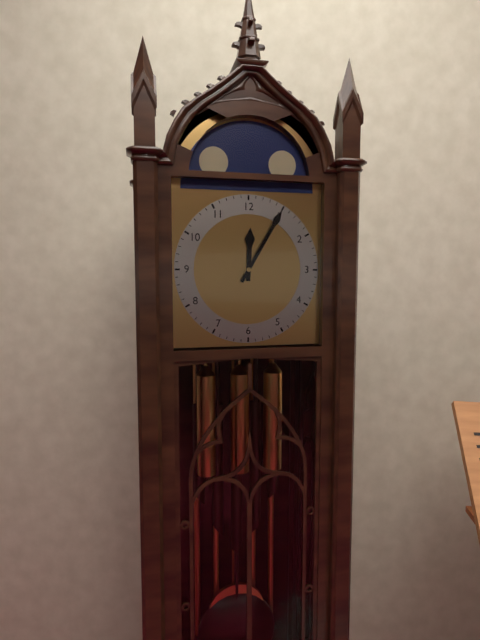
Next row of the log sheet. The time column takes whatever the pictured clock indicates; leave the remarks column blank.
12:05
